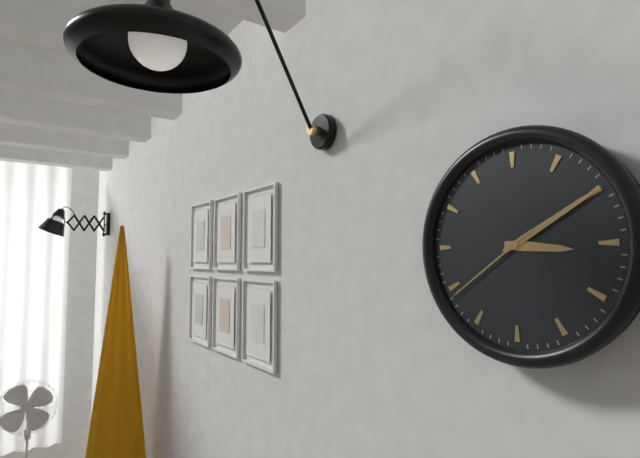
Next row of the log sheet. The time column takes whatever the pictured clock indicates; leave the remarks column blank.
3:10:39
